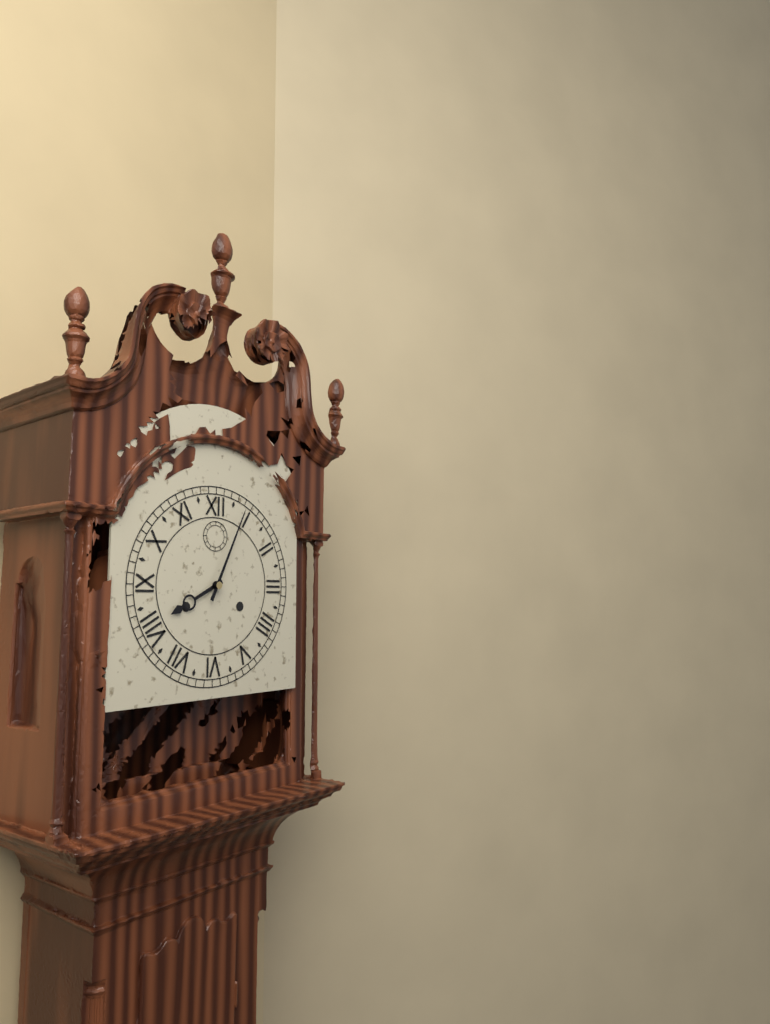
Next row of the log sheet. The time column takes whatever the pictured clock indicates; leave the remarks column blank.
8:04
